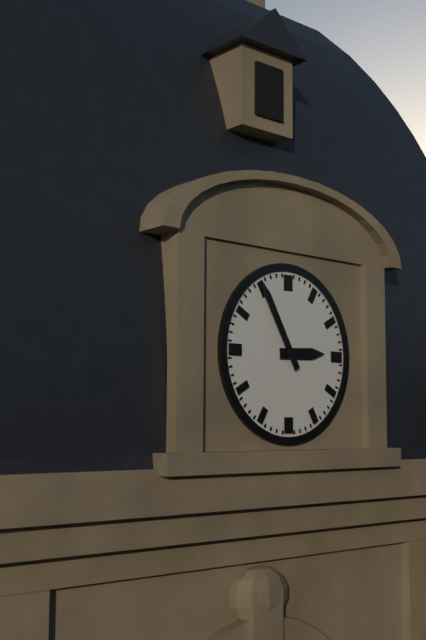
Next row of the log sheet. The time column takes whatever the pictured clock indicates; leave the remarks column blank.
2:55
